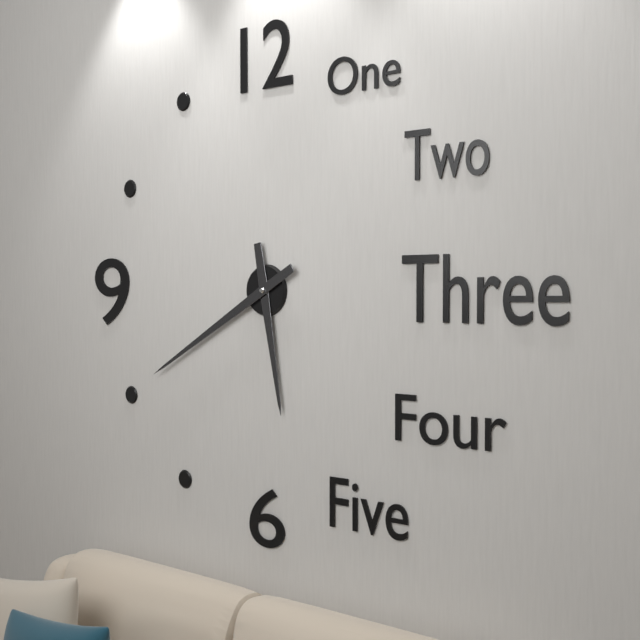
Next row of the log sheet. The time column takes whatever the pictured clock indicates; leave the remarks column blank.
5:40
